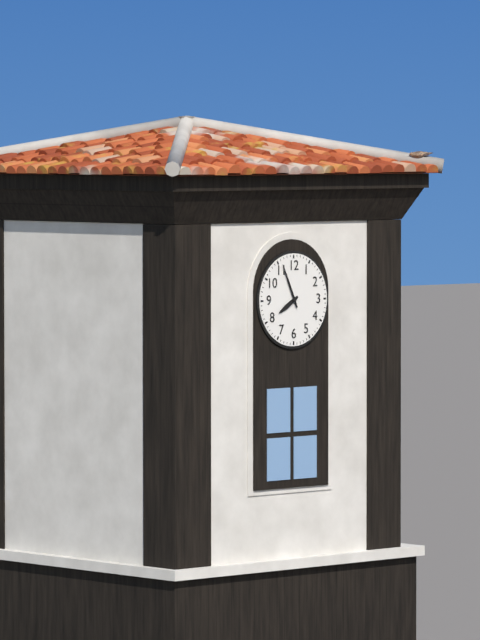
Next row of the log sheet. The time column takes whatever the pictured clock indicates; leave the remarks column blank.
7:56
